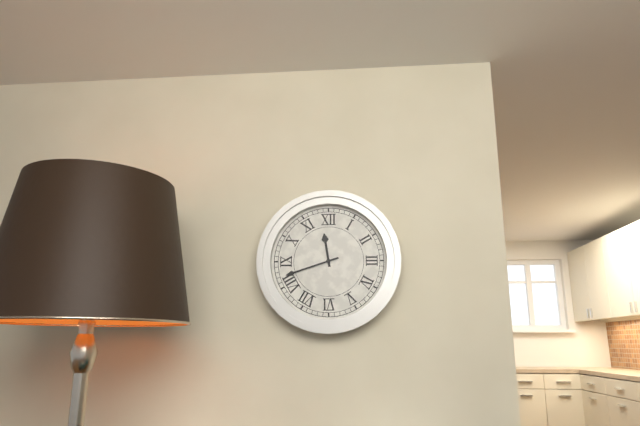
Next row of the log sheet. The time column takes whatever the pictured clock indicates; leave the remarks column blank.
11:42
